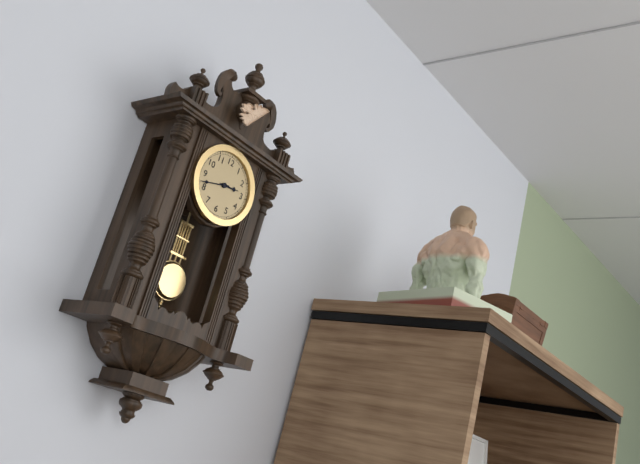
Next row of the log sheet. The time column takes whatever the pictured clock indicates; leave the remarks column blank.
2:42
